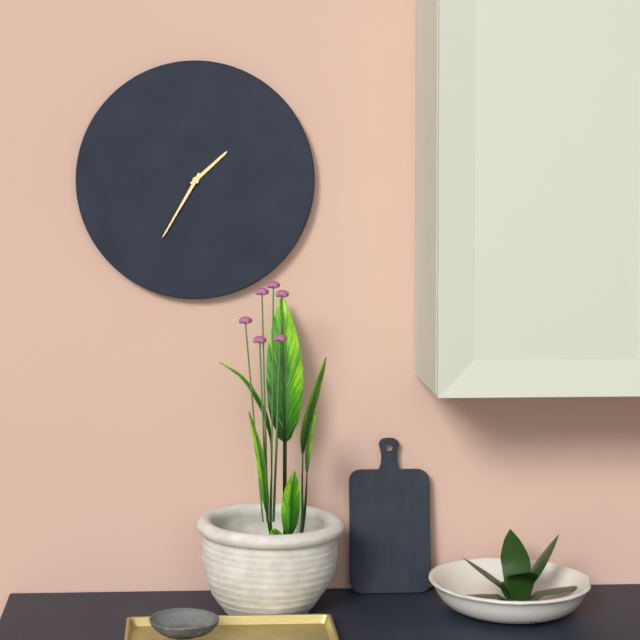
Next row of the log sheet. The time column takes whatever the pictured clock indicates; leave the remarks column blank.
1:35
